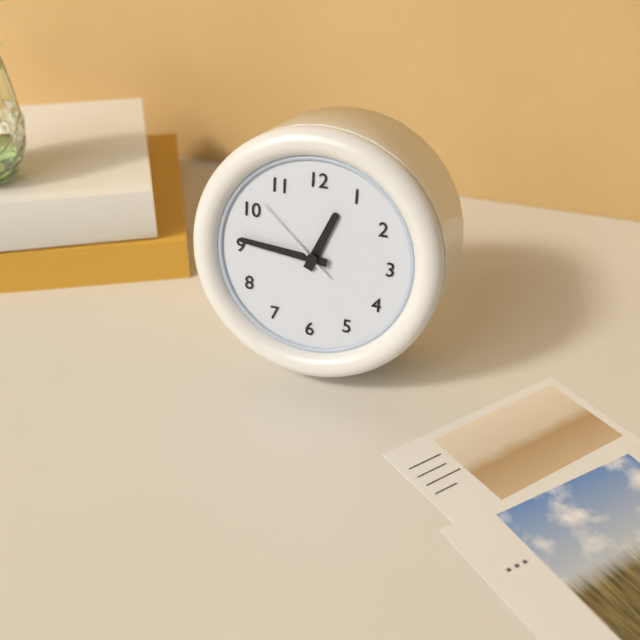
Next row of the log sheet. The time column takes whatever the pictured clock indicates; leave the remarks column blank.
12:46:52
